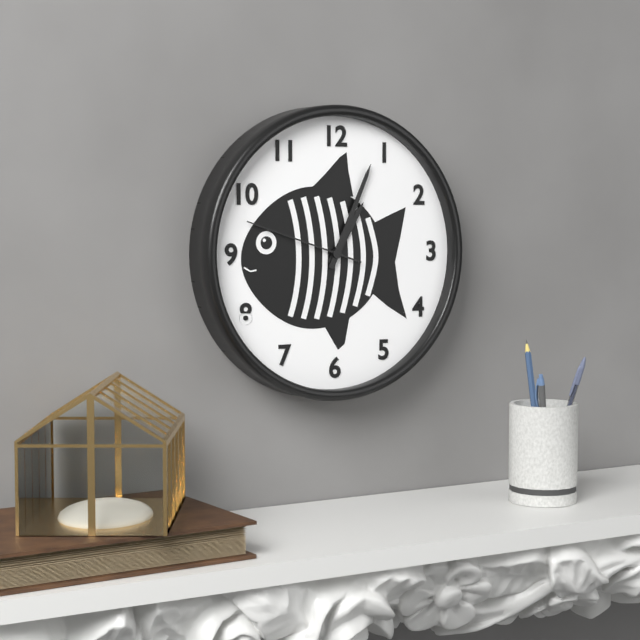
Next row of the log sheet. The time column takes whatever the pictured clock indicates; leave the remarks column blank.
1:04:48
